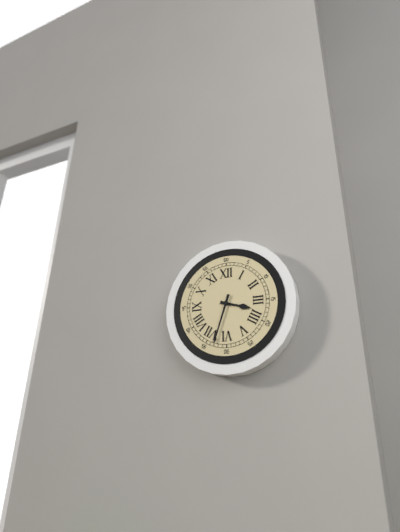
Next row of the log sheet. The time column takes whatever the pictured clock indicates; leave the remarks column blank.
3:33
